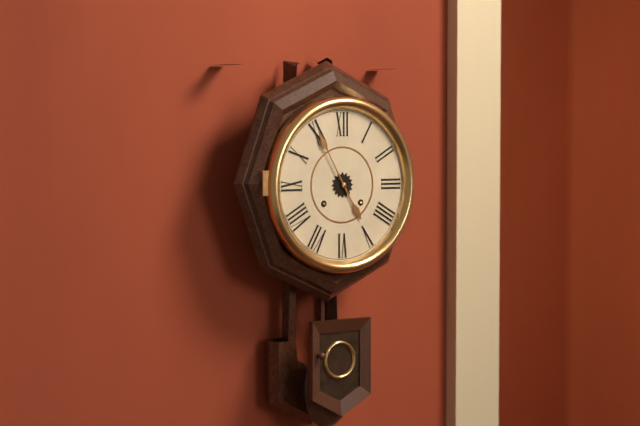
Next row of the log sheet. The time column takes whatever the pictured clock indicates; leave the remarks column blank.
4:55
